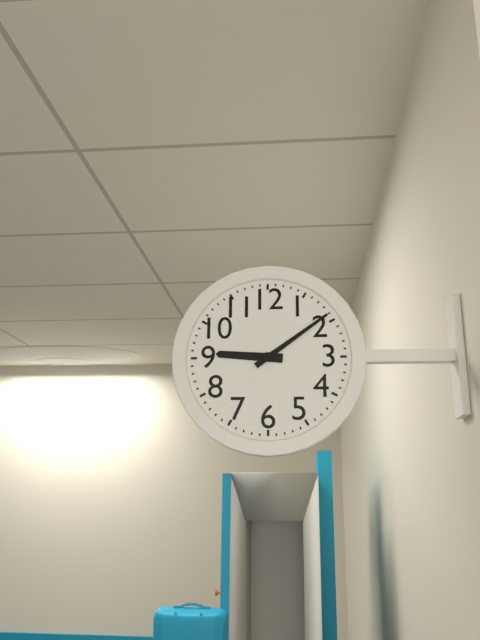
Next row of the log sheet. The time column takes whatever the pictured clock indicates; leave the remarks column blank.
9:09
